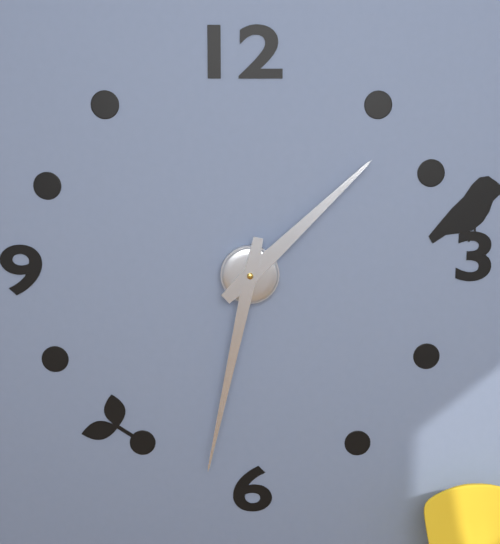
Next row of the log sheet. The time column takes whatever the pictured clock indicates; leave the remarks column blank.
1:32
